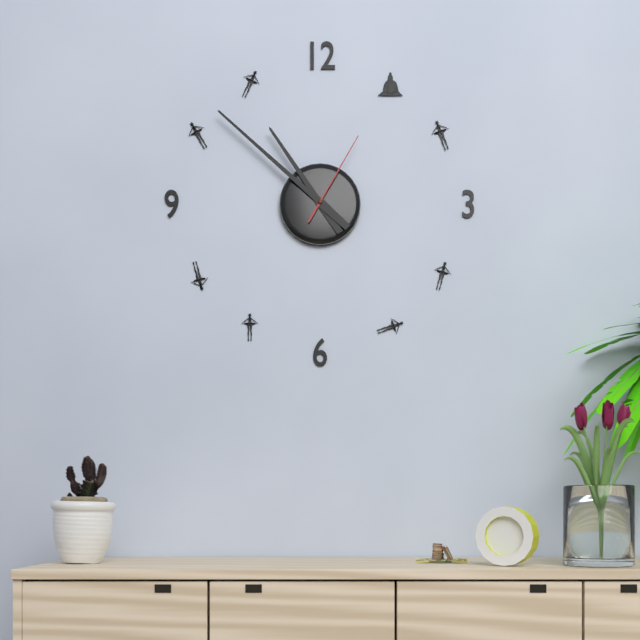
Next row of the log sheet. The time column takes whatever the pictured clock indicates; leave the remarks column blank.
10:52:05
